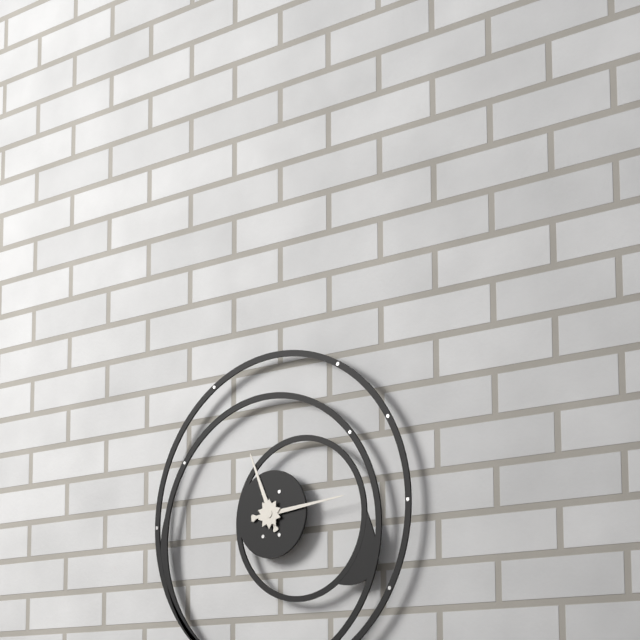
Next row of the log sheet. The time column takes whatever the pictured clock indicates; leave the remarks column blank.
11:14
